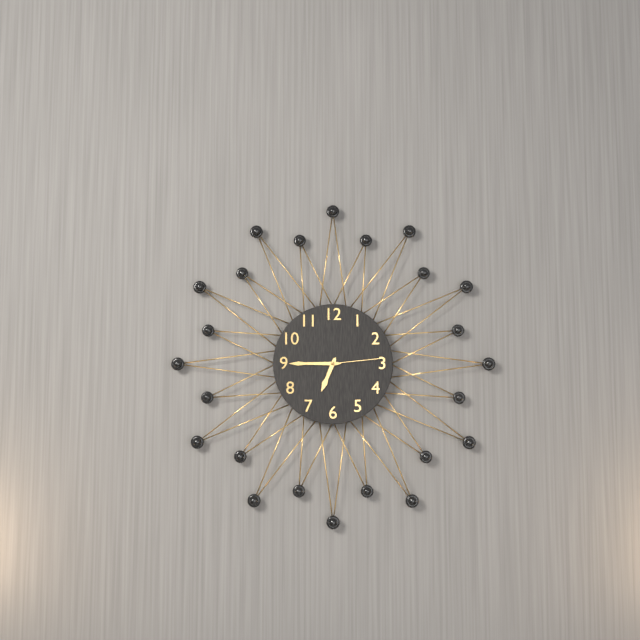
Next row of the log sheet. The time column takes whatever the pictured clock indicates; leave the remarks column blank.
6:45:14
